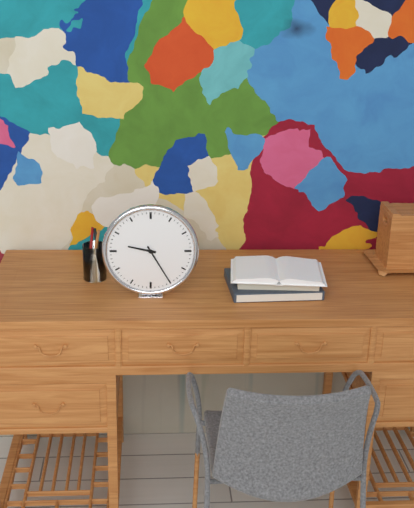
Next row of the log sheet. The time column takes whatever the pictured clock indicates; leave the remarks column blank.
9:25
